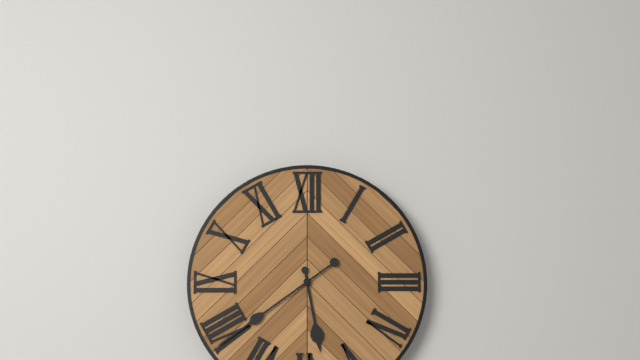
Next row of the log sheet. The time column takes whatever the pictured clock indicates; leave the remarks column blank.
5:39
